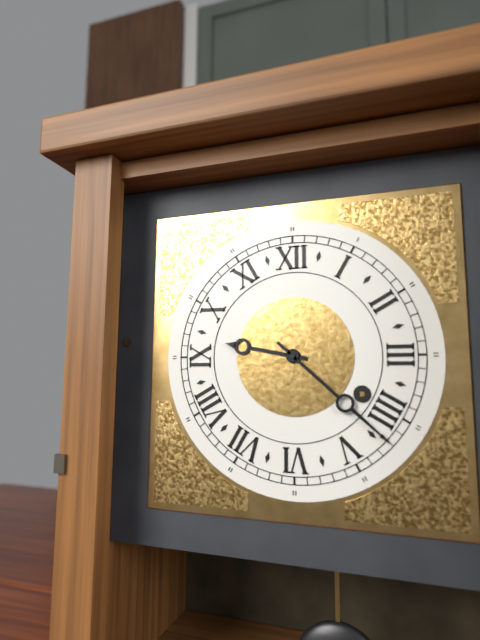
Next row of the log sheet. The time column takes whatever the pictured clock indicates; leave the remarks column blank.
9:22
